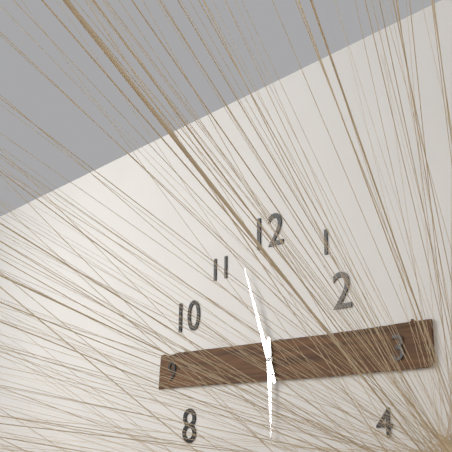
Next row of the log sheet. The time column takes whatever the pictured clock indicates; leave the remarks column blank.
5:57
